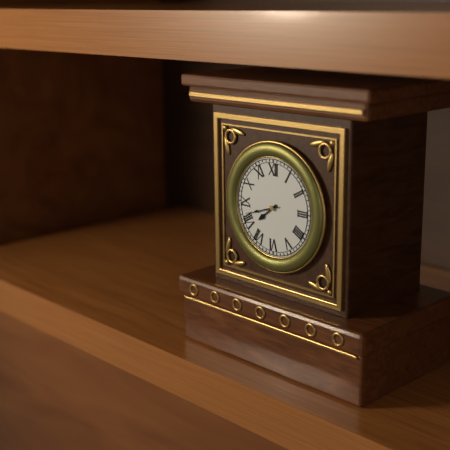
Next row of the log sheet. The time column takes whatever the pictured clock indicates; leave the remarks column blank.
7:42
